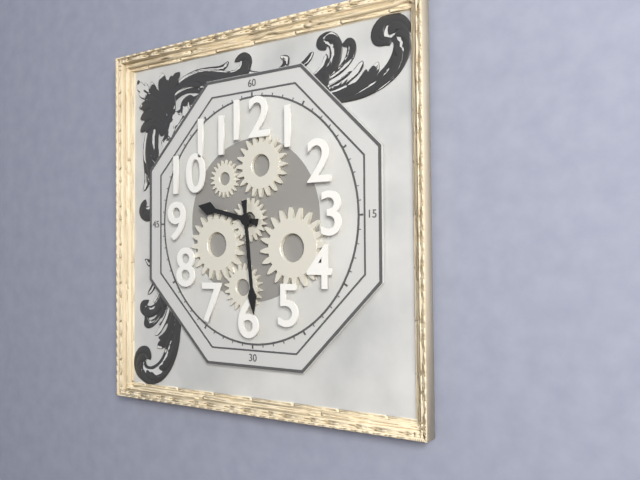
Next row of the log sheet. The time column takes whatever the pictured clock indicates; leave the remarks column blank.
9:29
